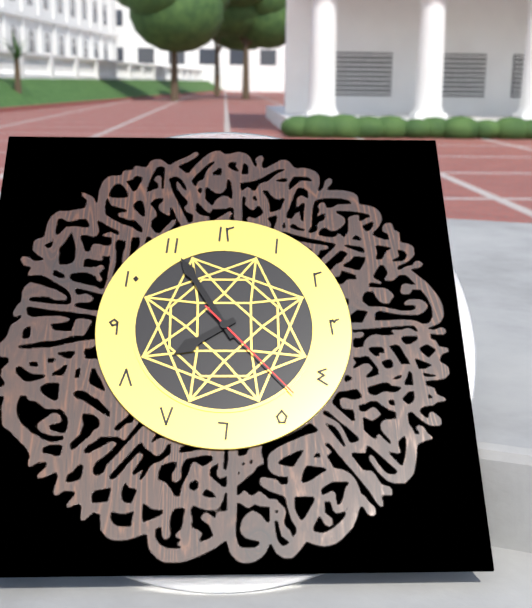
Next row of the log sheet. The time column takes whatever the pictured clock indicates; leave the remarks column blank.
7:55:23
